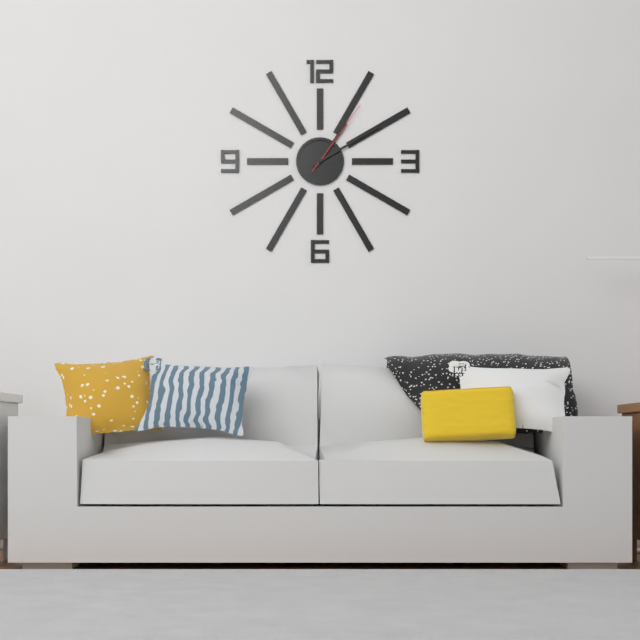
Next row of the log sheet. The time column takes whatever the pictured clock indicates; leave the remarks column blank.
1:10:06
